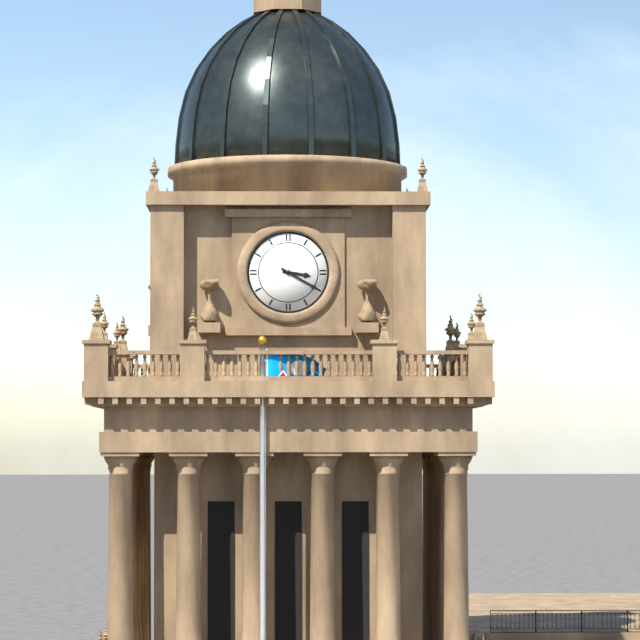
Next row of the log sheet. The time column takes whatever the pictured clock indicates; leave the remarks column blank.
3:20
